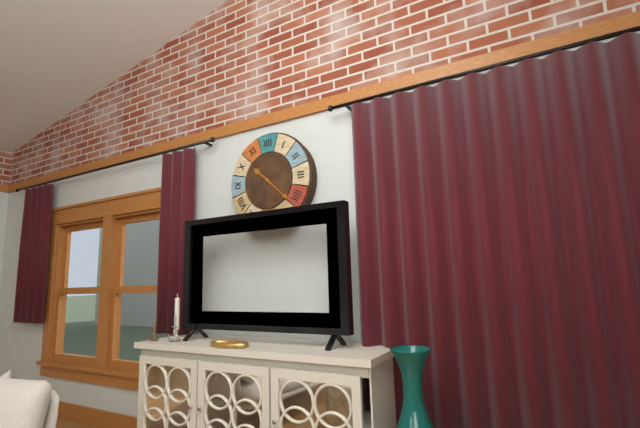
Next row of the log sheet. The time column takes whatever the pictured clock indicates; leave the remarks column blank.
10:22
